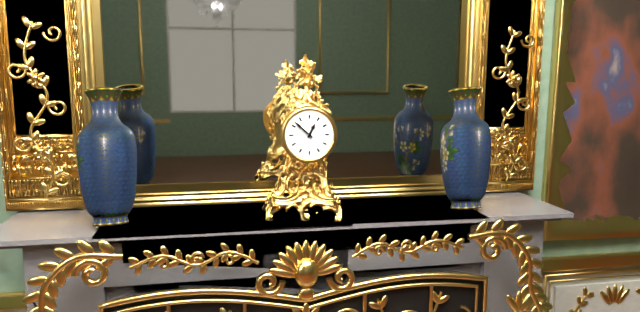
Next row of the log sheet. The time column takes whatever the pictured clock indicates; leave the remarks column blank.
12:52
